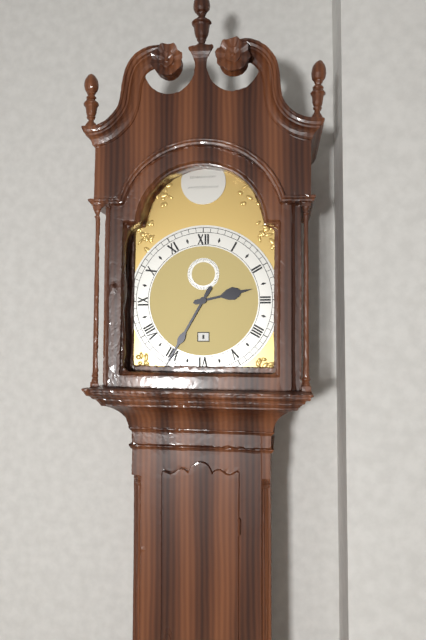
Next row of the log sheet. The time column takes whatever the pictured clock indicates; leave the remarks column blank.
2:35
